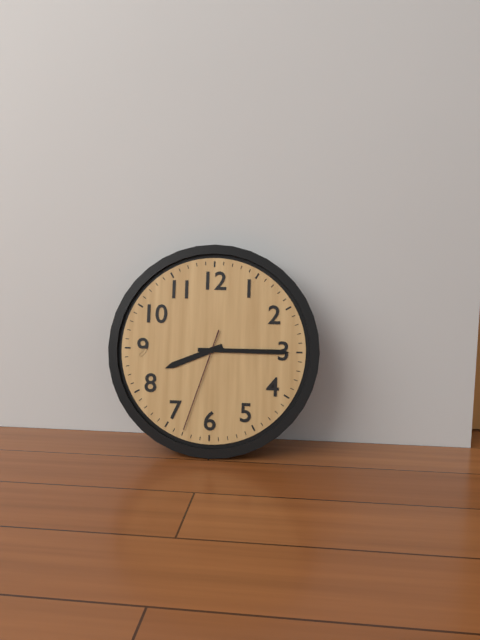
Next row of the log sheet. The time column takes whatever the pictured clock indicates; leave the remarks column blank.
8:15:33
